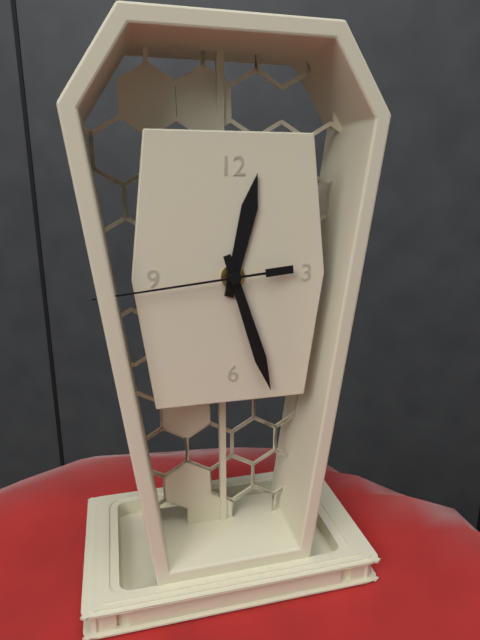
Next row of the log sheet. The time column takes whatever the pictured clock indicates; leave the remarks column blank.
12:27:44
